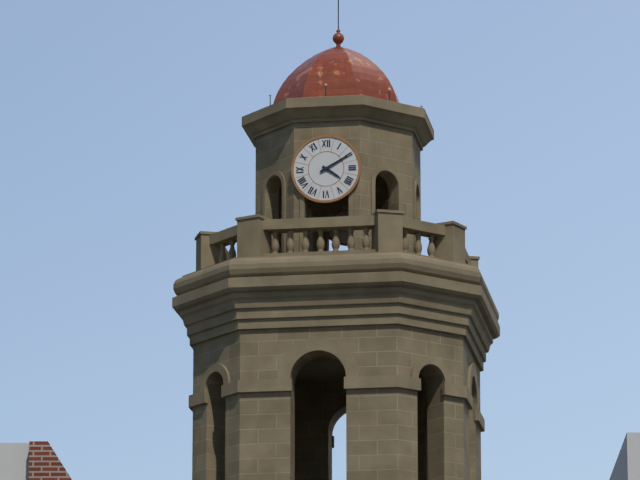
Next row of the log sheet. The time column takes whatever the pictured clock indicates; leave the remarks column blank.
4:10
